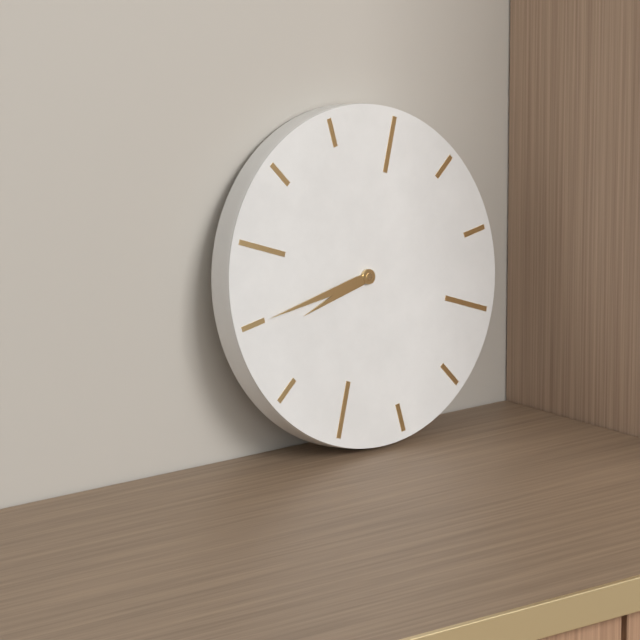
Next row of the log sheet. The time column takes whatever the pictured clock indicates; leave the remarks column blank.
8:45
